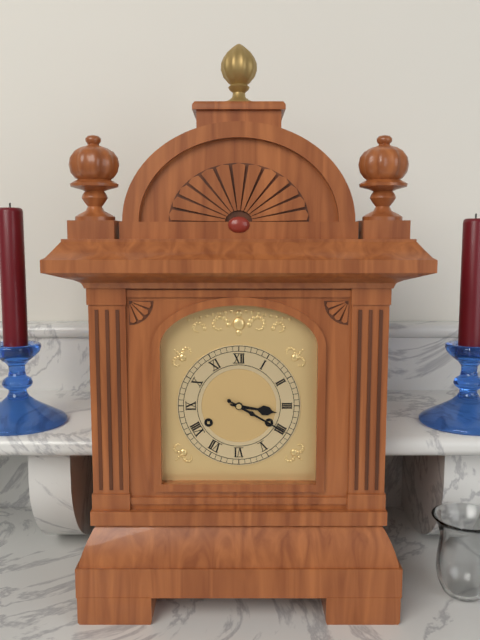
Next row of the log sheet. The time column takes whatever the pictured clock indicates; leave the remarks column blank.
3:20
